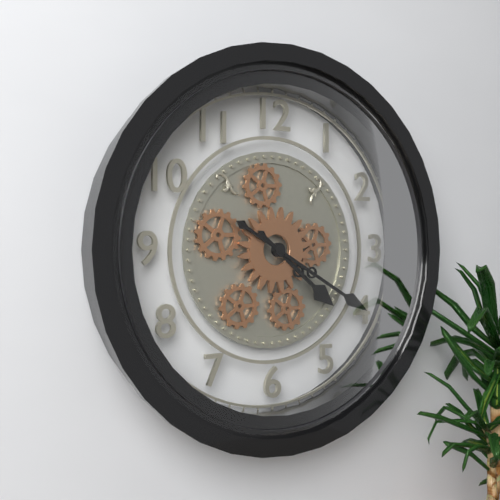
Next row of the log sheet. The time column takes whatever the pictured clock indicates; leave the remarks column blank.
4:20
